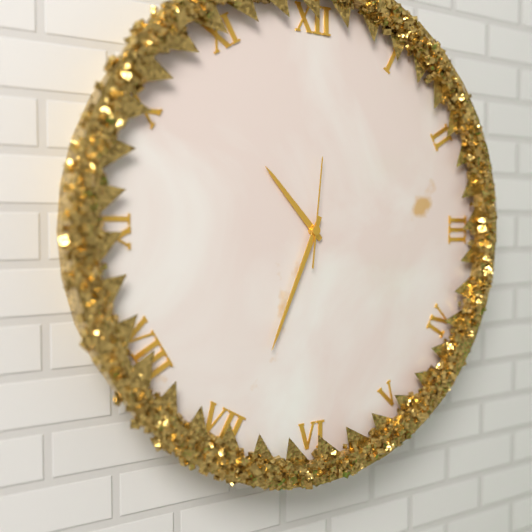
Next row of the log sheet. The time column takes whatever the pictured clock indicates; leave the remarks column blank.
10:34:01
